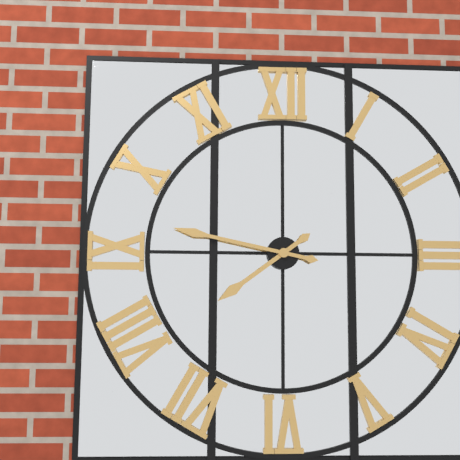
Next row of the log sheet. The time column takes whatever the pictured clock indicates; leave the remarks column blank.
7:47
